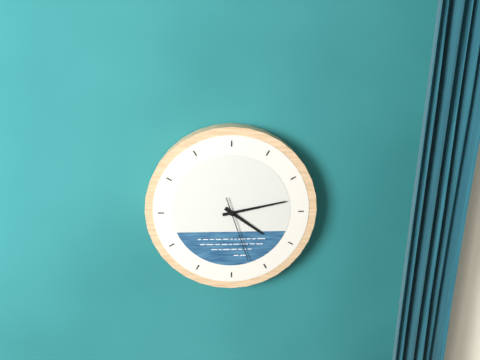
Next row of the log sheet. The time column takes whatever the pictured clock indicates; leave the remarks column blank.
4:13:27
